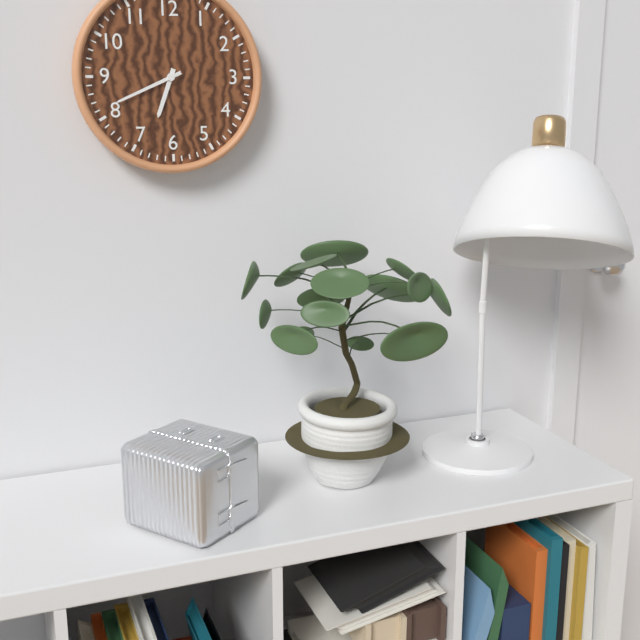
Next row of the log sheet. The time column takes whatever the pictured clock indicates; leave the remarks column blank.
6:41
